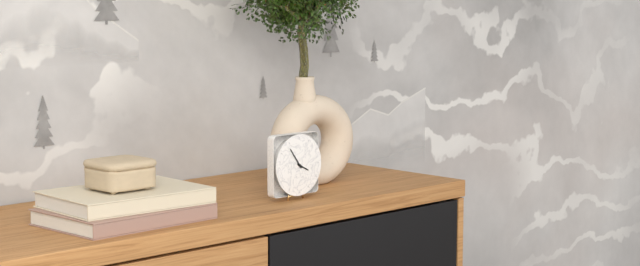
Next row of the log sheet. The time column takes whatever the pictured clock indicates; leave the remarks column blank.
3:54
